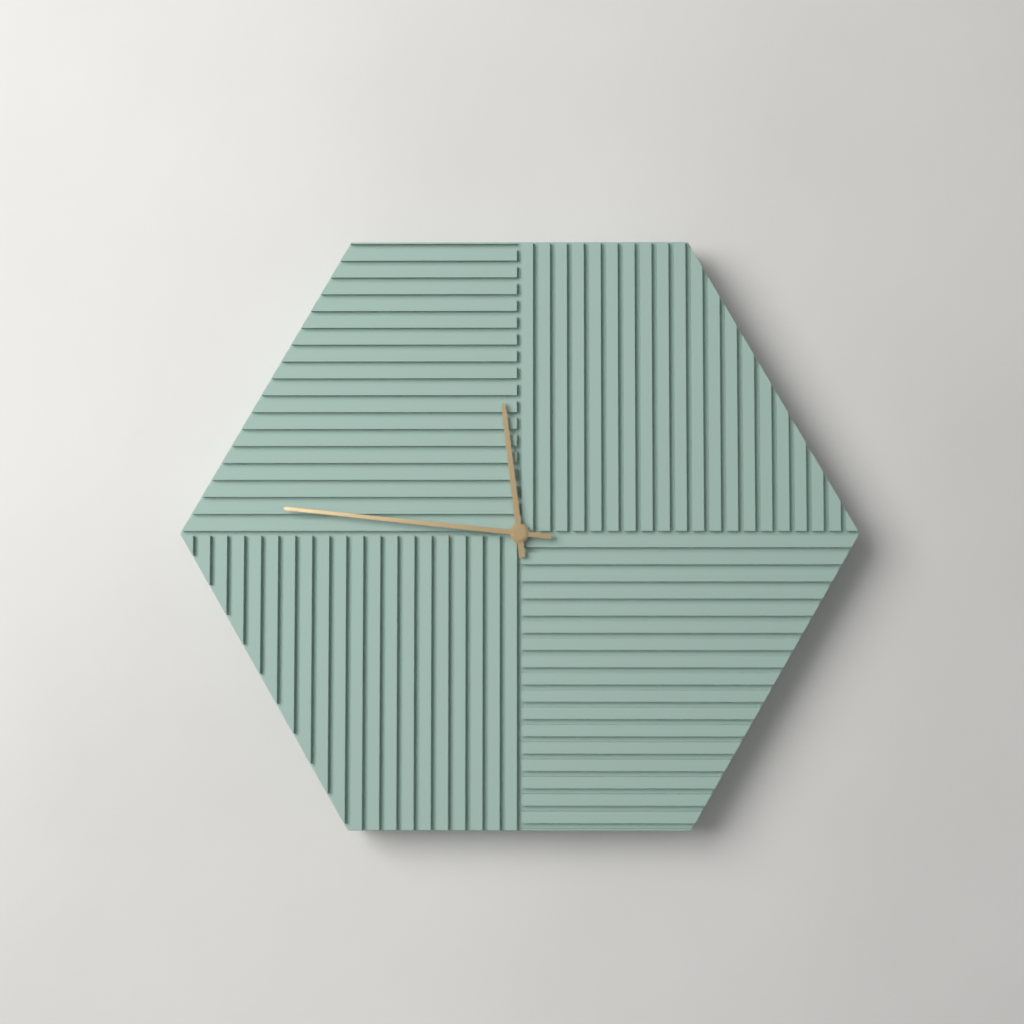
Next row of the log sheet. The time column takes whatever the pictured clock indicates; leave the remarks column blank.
11:46
